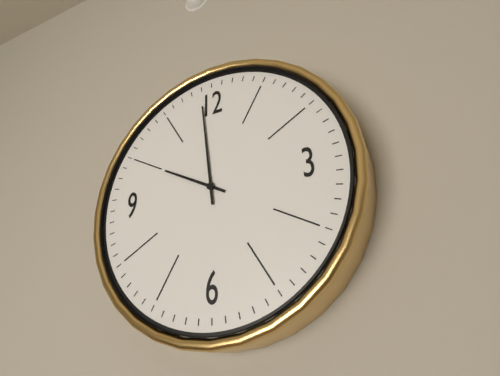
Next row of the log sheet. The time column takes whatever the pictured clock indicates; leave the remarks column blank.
9:59
